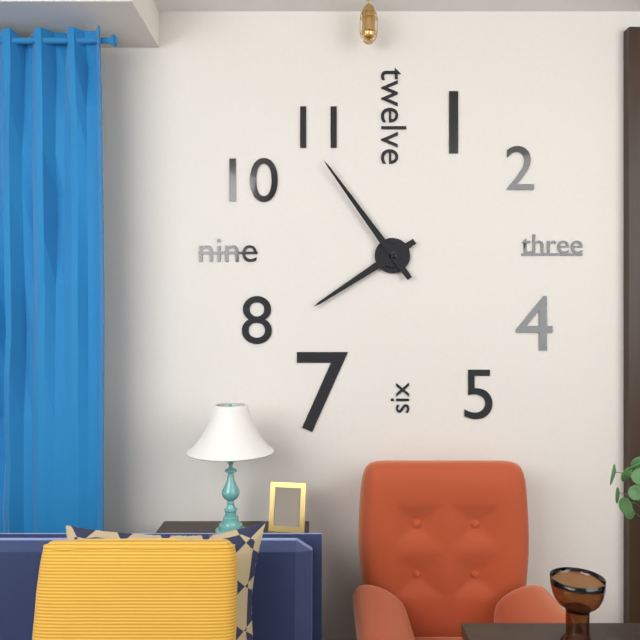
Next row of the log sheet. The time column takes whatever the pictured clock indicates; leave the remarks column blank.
7:54
